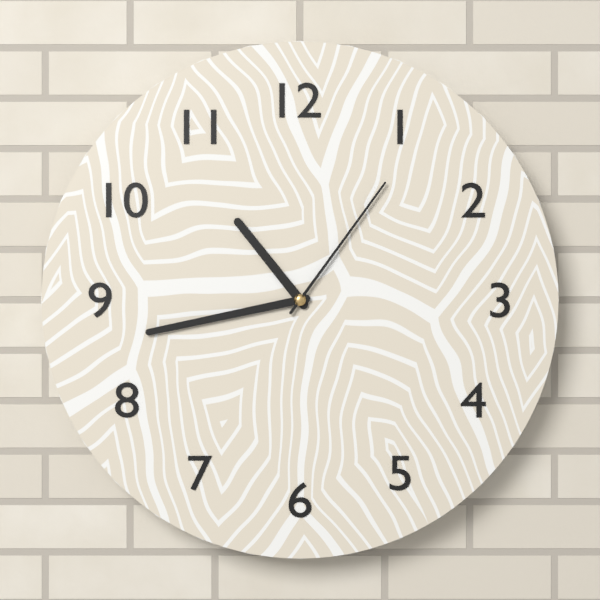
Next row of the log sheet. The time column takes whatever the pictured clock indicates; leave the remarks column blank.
10:43:06
